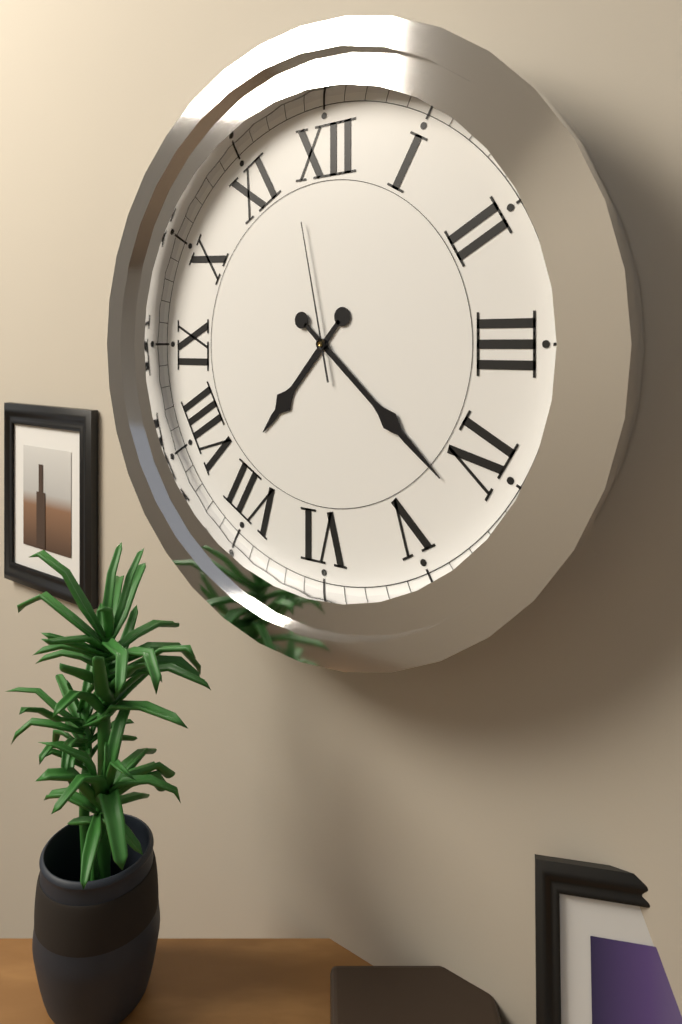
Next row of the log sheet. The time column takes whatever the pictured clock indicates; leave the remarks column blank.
7:22:58
